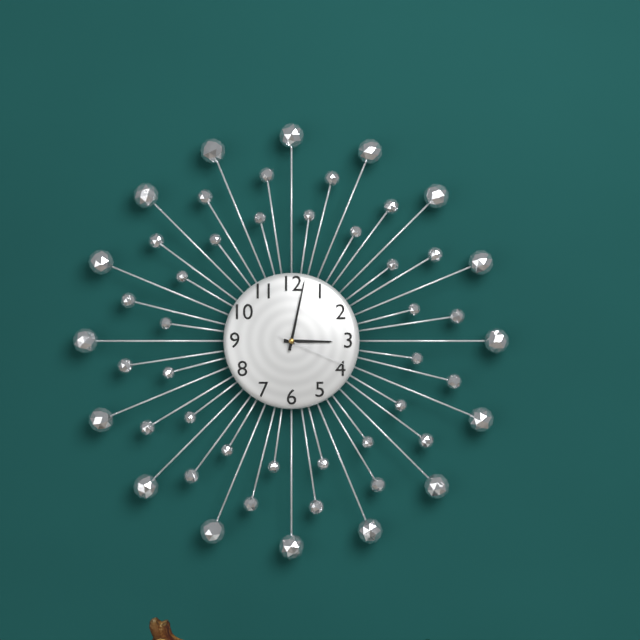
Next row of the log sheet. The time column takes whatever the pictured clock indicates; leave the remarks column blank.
3:02:19
